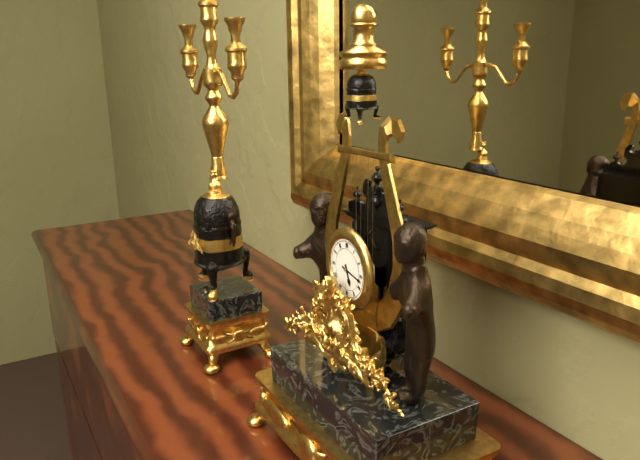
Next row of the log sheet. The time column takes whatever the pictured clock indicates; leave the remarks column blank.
5:17
